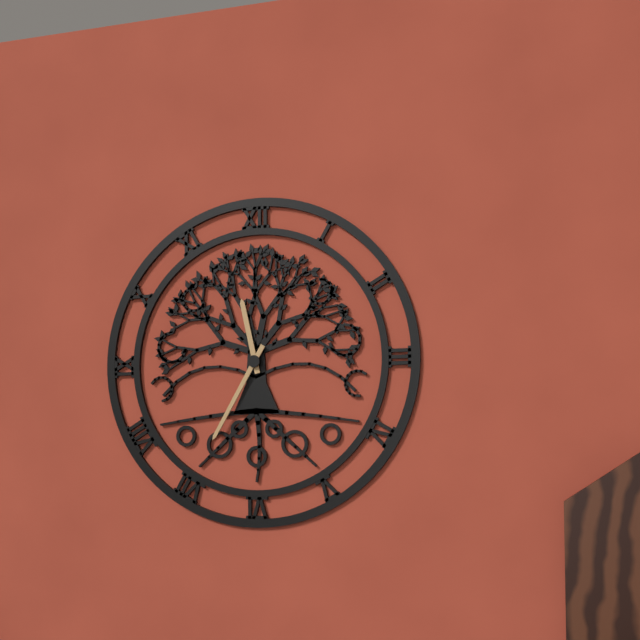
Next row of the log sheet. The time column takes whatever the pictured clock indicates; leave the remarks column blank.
11:35
